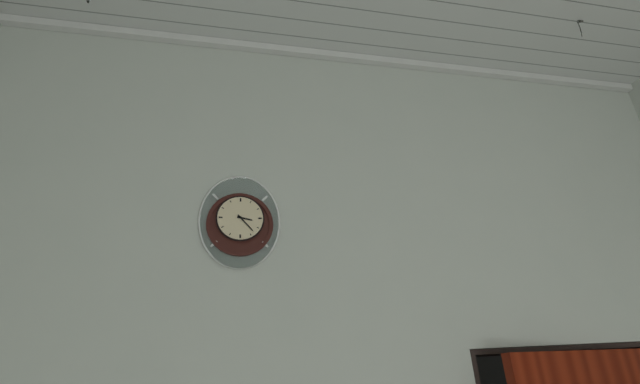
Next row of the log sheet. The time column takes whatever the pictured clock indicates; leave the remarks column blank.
3:23
